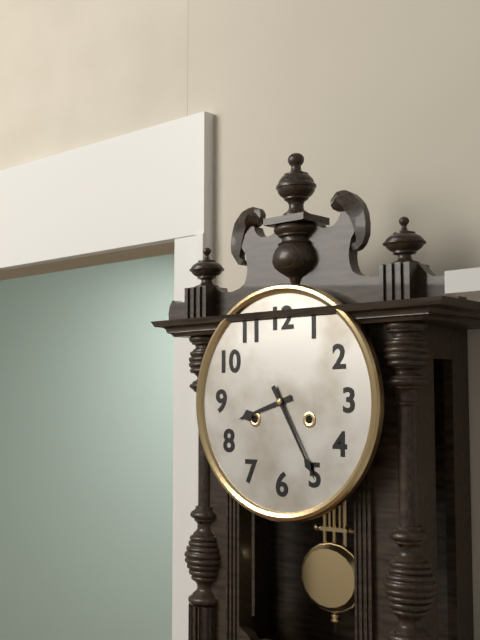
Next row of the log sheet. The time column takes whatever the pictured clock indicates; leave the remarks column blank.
8:25
